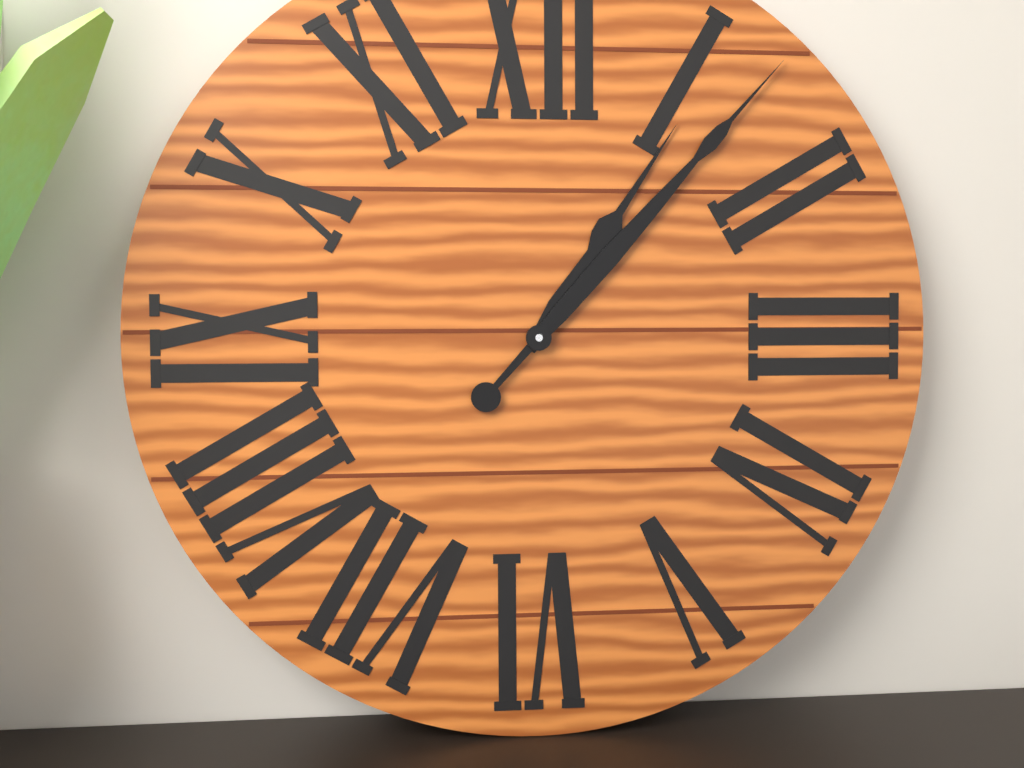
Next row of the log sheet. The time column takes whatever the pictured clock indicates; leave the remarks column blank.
1:07
